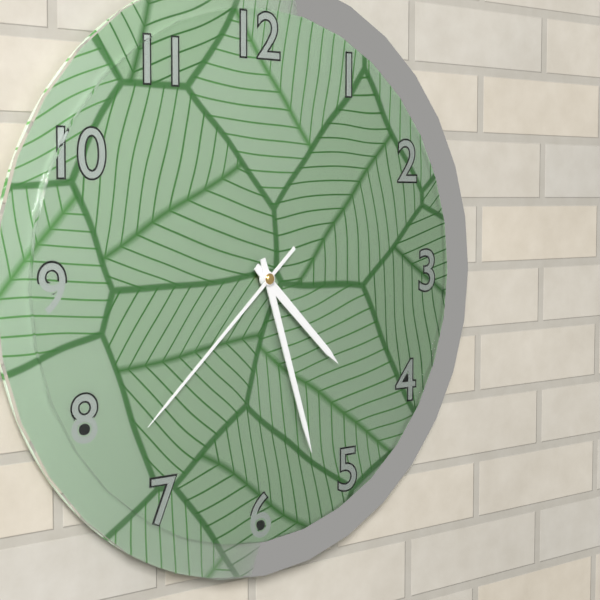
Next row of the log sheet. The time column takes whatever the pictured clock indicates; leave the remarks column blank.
4:27:38
